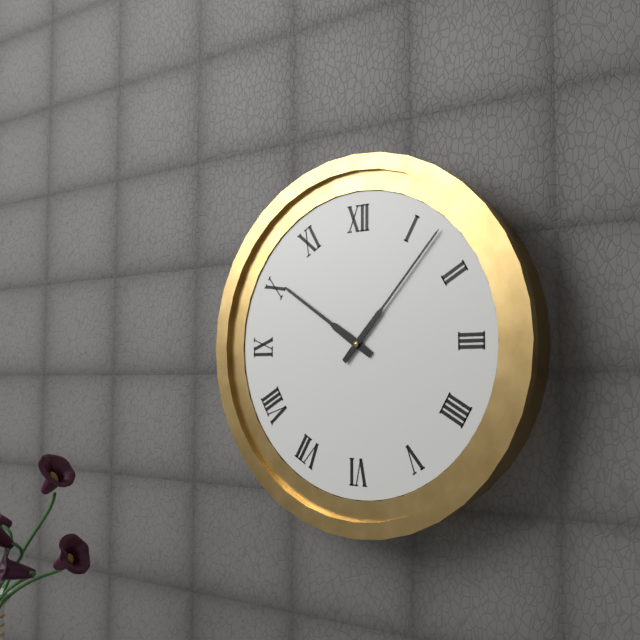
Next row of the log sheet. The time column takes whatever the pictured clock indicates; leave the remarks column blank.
10:07
